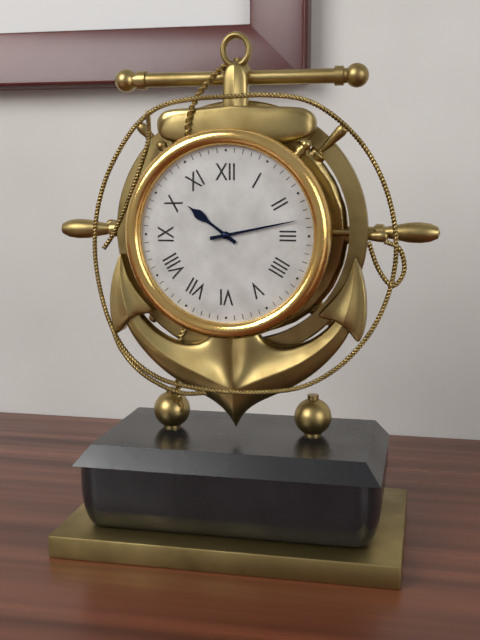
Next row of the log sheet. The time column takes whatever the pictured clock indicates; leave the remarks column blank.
10:13
